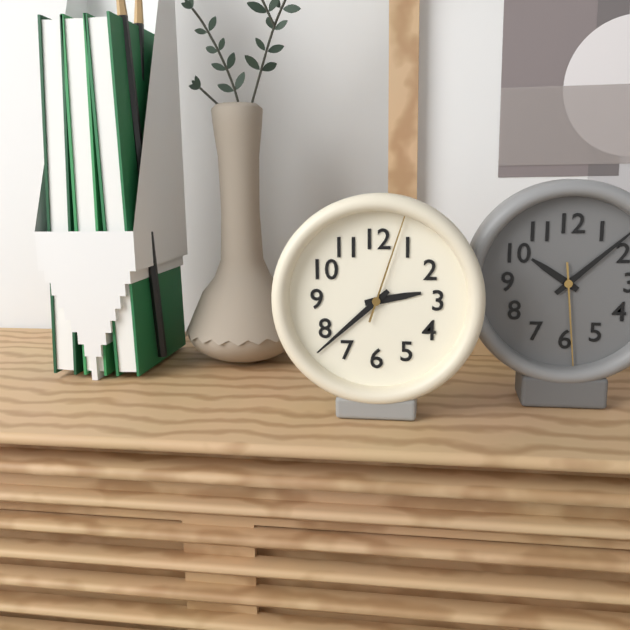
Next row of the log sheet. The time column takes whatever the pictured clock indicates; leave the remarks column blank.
2:38:03
